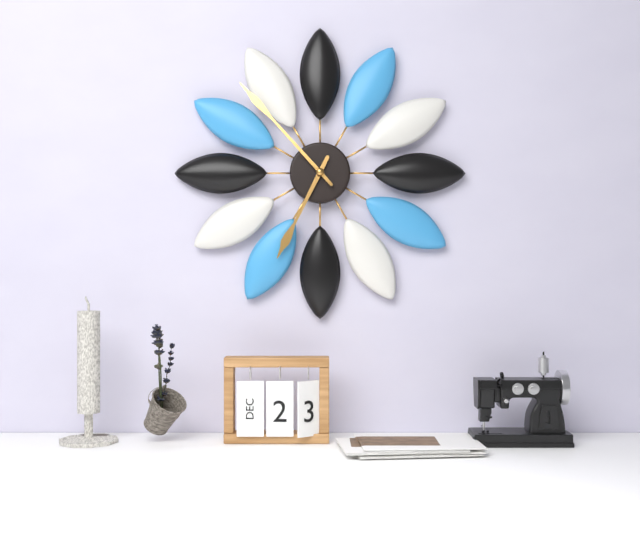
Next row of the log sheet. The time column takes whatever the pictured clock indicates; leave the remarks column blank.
6:53
